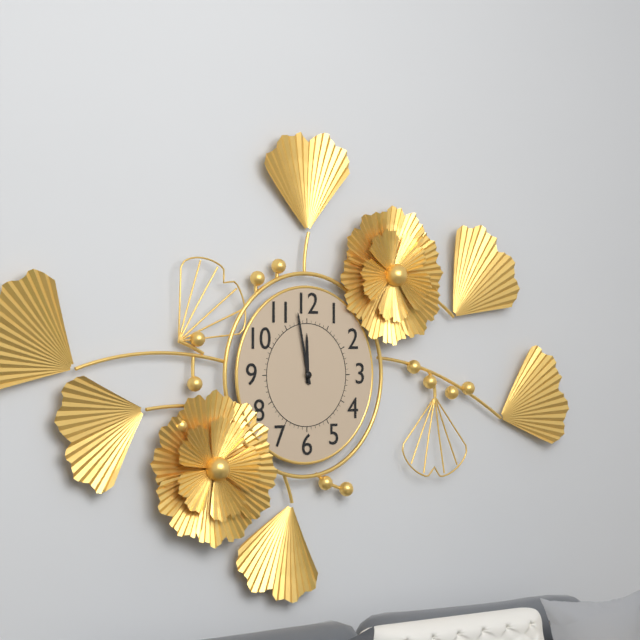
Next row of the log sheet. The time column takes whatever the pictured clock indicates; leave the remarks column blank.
11:58
